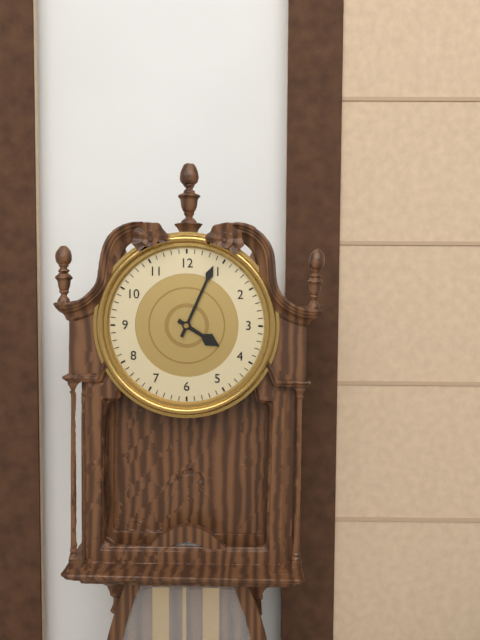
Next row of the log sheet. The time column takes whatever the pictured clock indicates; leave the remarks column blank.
4:04
